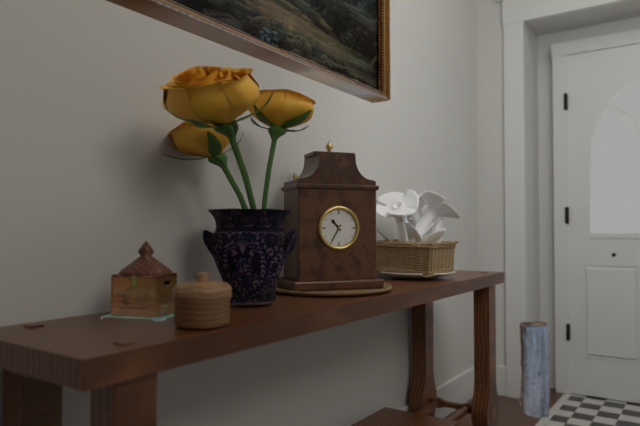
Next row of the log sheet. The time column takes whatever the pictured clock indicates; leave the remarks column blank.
10:35
